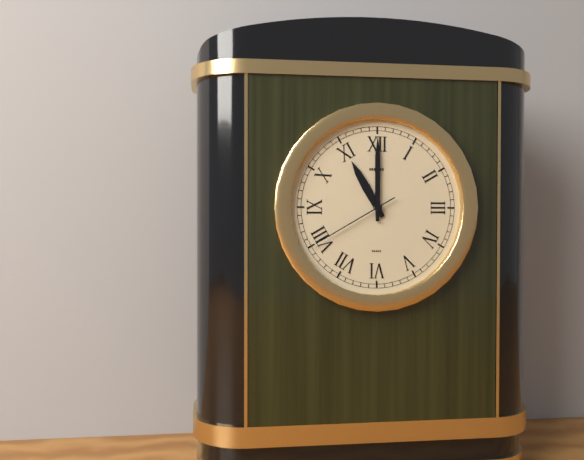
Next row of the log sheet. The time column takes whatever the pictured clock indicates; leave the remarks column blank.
11:00:40
